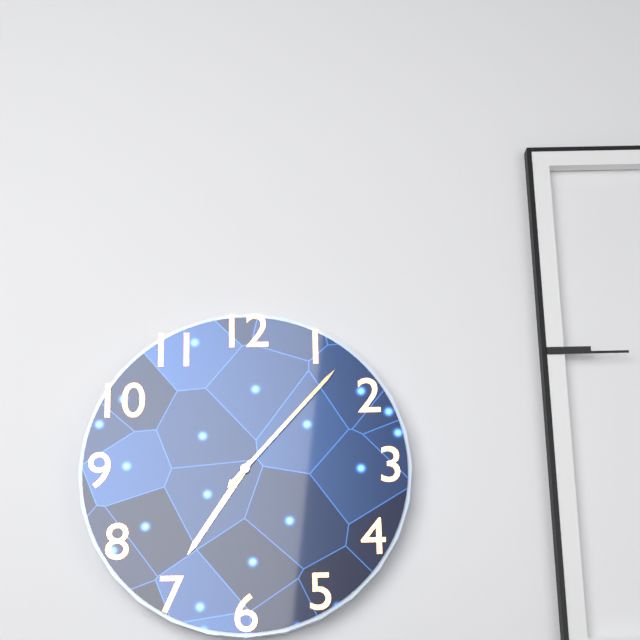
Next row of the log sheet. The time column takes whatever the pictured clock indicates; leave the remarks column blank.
7:07
